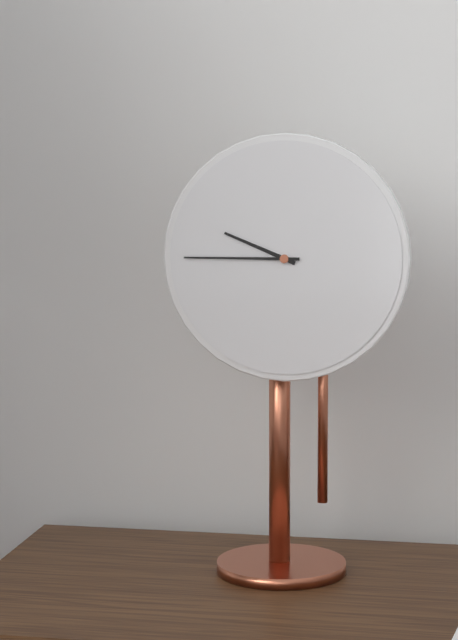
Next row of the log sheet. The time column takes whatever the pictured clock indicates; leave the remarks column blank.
9:45
